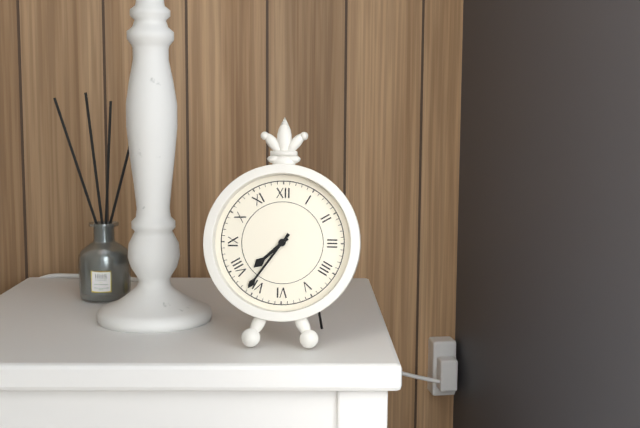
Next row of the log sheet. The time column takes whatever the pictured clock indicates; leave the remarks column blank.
7:36
